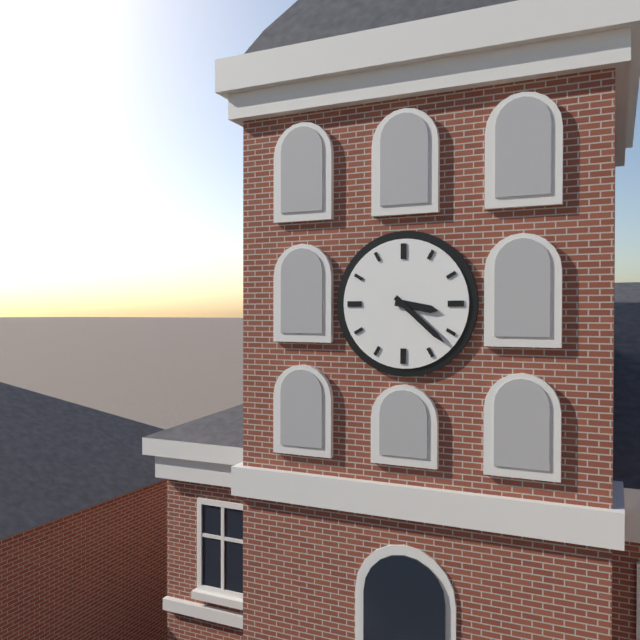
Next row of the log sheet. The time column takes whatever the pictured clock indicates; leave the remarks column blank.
3:22
